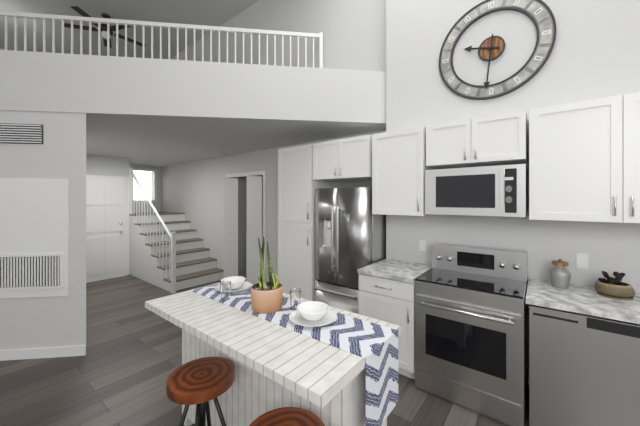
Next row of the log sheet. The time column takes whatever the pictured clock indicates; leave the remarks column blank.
9:31
